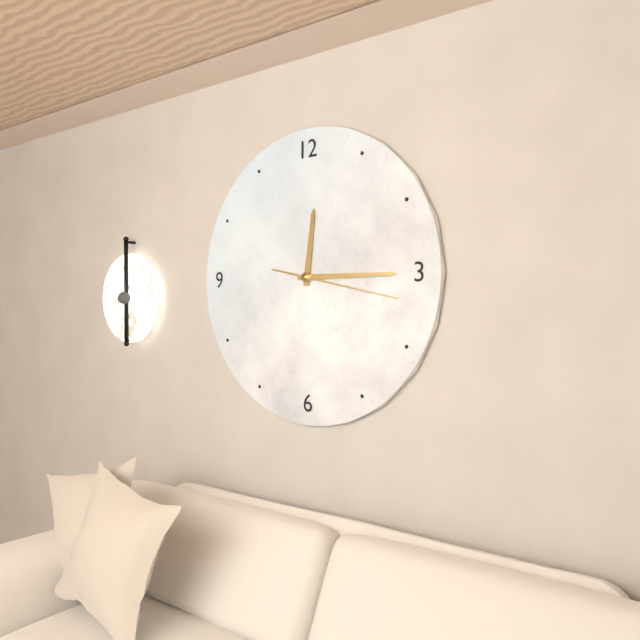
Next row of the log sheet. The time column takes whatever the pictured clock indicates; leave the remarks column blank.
12:15:17
